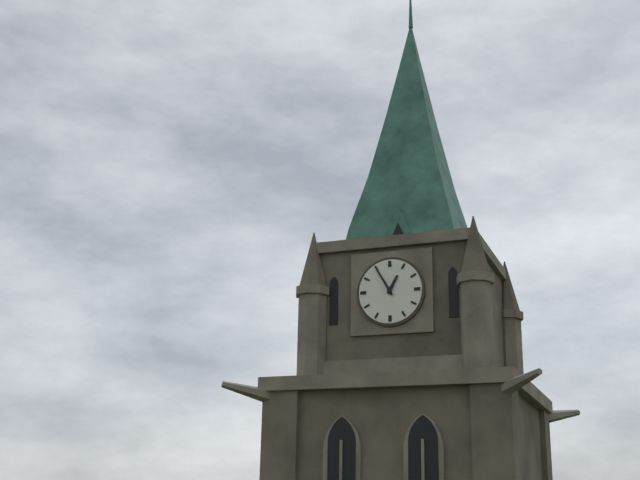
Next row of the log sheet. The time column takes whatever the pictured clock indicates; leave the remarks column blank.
12:55
